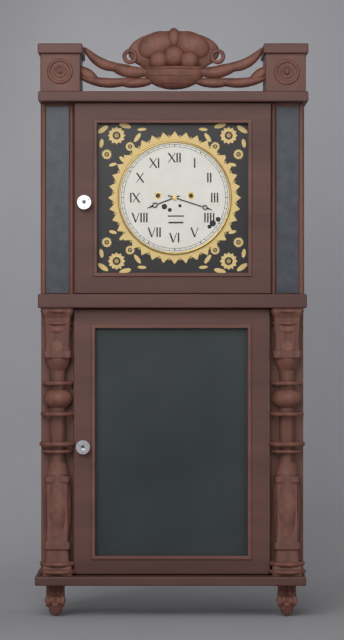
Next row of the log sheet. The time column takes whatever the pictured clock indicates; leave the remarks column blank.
8:18
